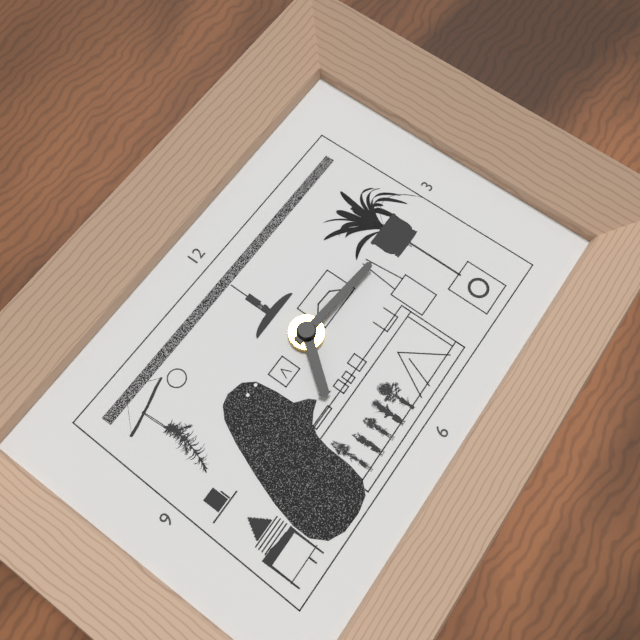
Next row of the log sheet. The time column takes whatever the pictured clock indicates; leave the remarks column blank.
7:16
